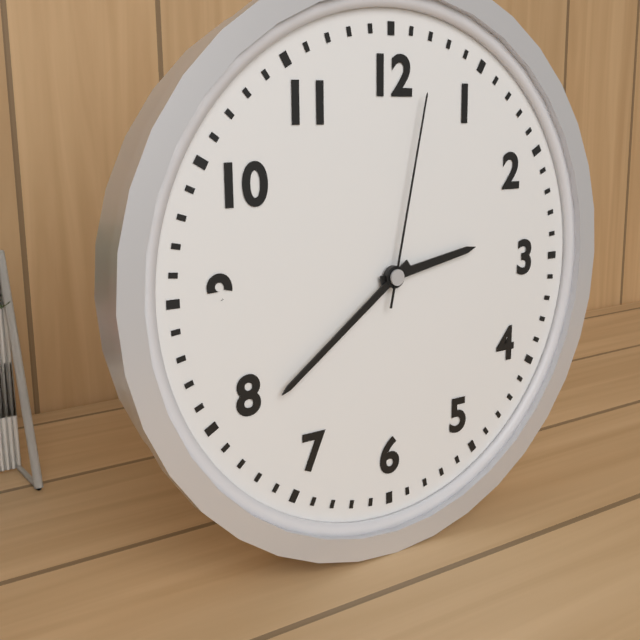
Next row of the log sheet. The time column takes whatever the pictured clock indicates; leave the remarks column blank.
2:39:02
